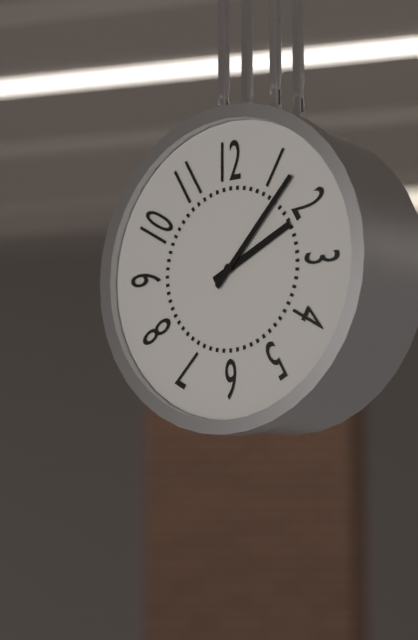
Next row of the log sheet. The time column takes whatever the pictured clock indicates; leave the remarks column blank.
2:07
